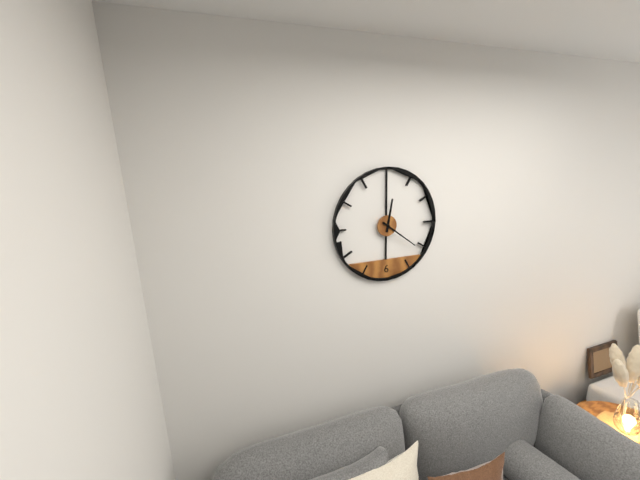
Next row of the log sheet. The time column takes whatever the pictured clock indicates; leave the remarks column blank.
12:21
